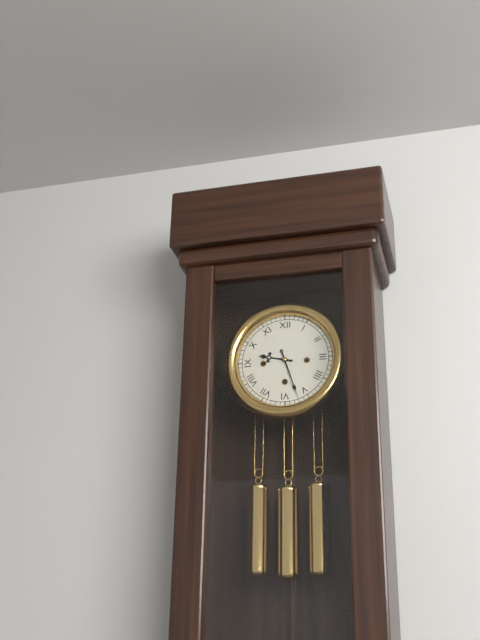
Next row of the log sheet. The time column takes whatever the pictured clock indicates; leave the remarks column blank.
9:27
